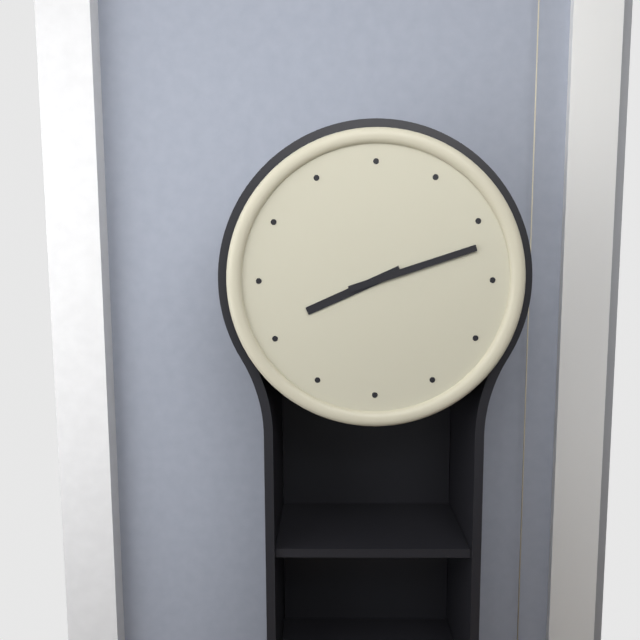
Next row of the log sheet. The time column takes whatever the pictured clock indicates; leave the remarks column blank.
8:12
